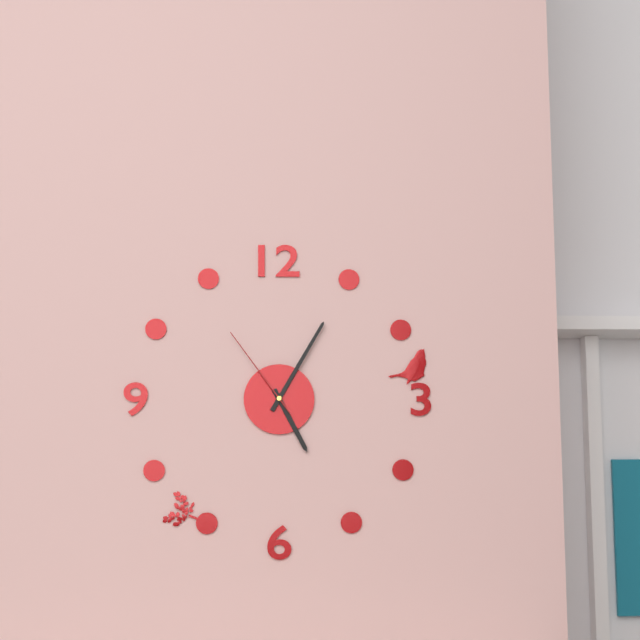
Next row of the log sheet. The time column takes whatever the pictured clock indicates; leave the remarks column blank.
5:05:54
